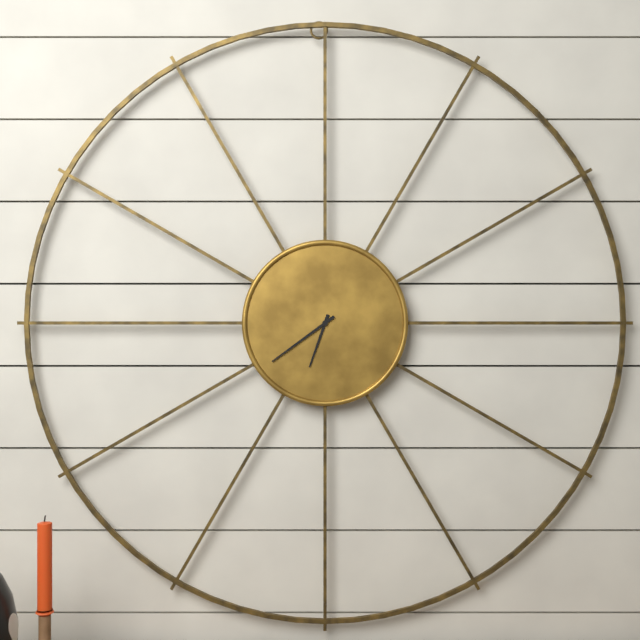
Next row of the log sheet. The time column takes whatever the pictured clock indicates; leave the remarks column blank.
6:39
